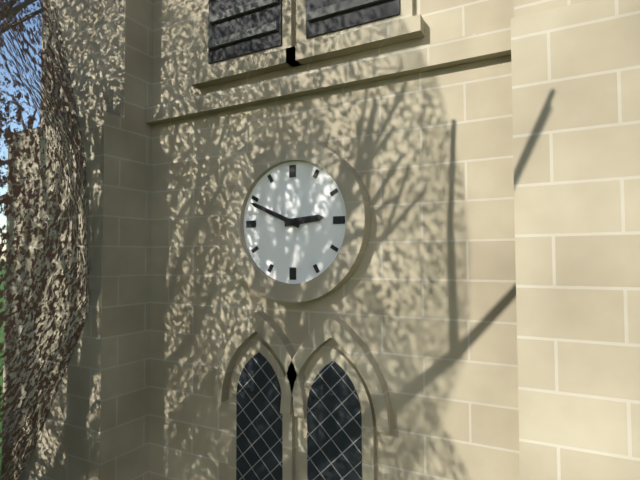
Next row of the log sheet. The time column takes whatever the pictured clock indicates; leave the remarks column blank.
2:49
